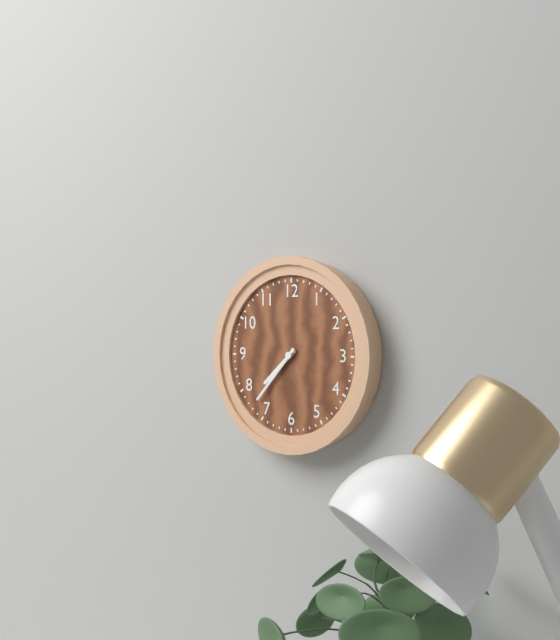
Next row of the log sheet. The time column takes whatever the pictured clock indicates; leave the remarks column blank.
7:37
